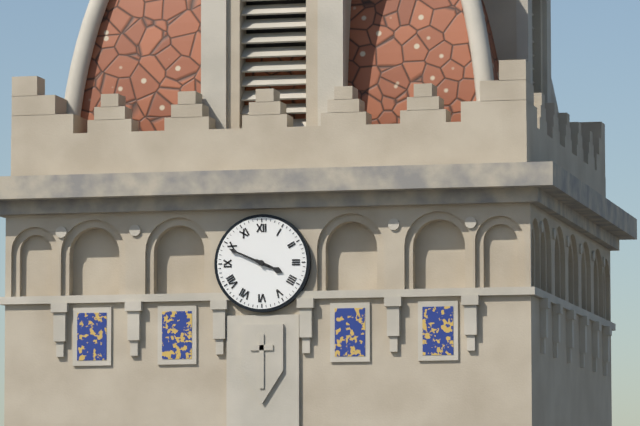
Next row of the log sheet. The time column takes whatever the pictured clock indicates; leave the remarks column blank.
3:49
